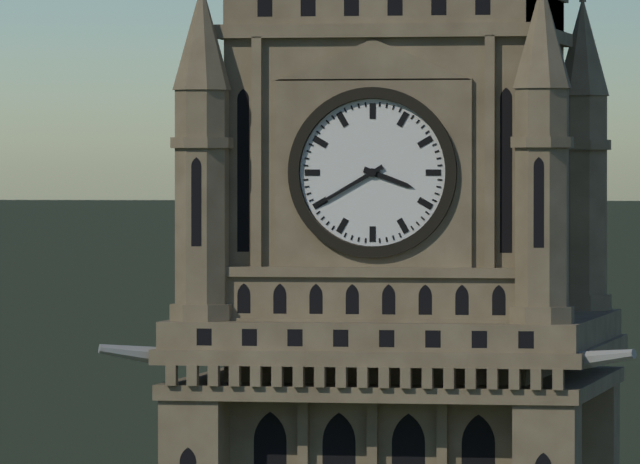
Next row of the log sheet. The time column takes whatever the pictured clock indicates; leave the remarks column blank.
3:40
